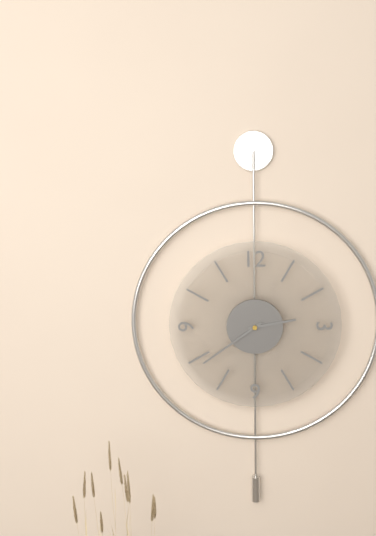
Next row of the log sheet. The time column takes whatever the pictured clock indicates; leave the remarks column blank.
2:39
